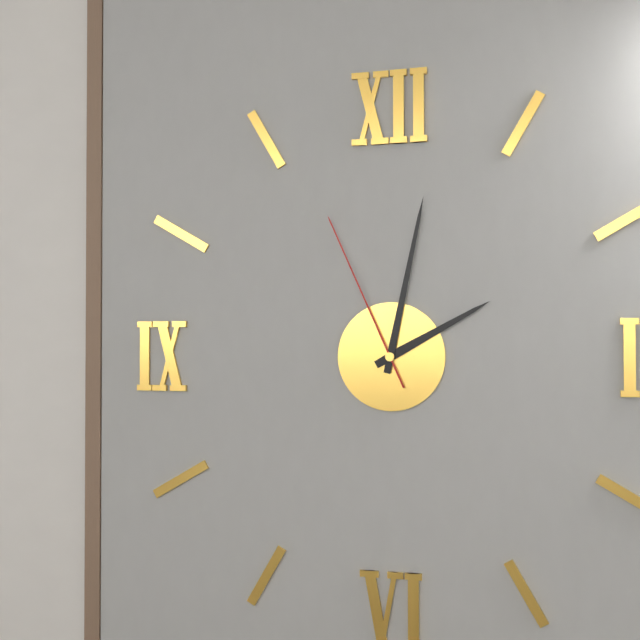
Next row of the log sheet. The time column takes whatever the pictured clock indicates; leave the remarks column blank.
2:02:56
